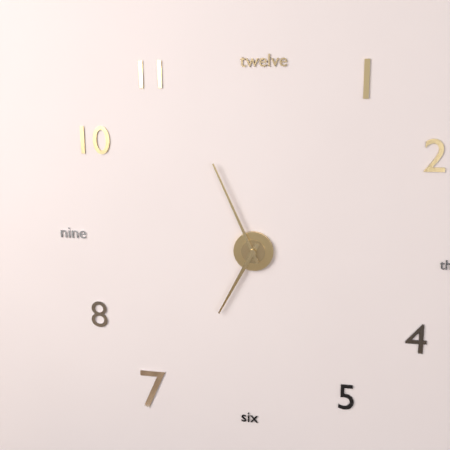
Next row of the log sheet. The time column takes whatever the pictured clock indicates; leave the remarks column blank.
6:56
